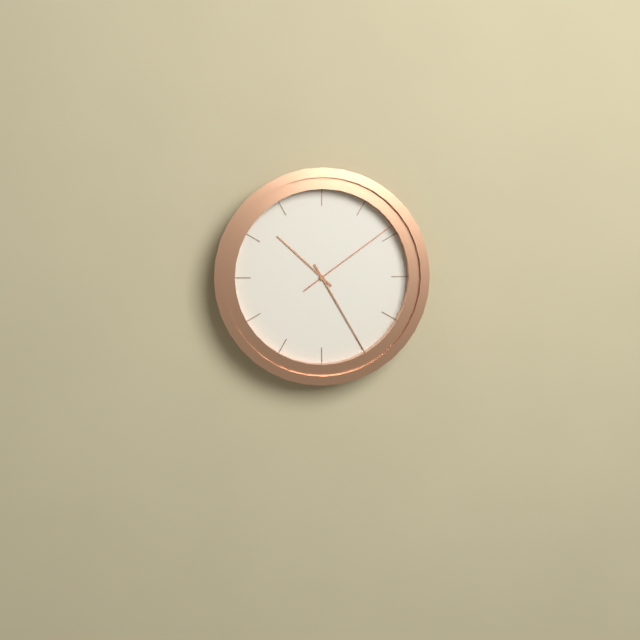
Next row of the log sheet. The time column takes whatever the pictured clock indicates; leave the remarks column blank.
10:25:09
